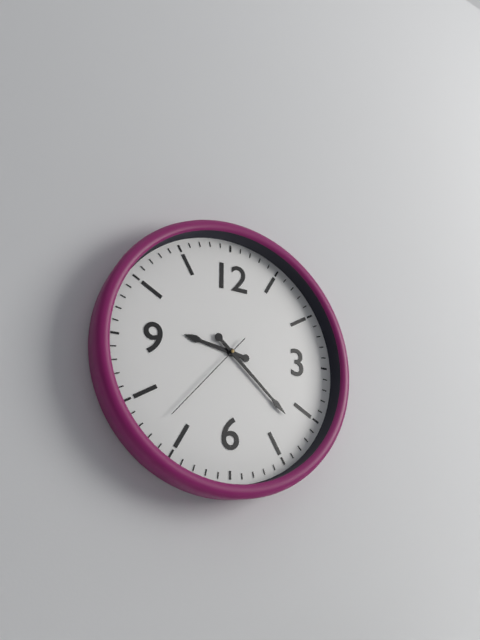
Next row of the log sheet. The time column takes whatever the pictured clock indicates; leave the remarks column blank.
9:22:37
